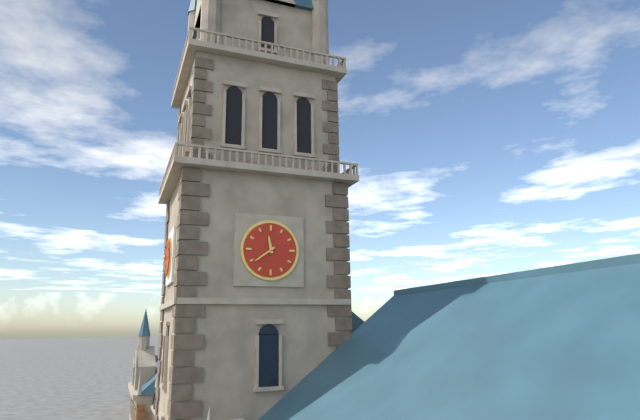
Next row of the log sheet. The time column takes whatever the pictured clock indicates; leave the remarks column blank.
11:39
